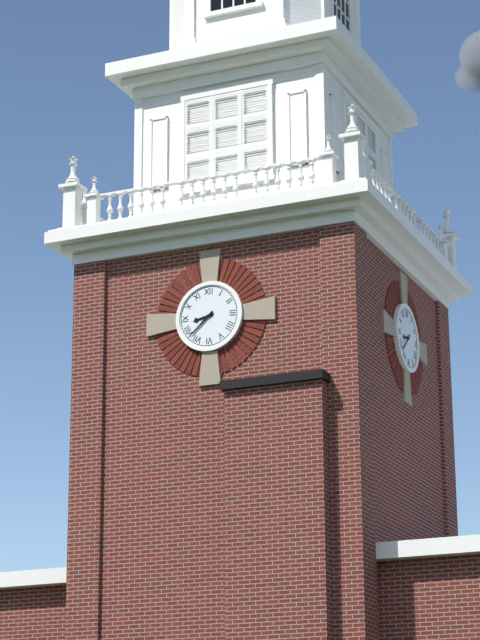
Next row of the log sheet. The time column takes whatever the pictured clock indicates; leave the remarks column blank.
8:38
